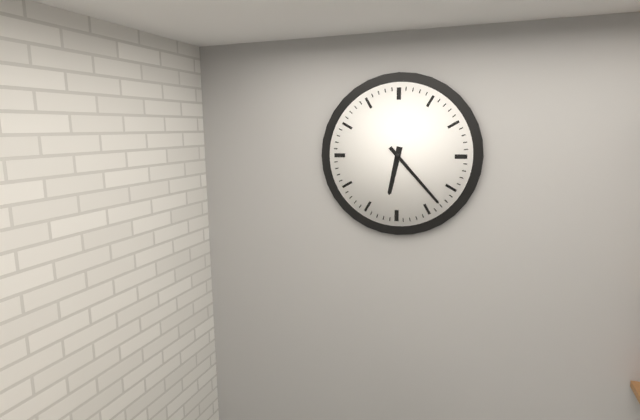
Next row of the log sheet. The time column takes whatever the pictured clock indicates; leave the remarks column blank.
6:23
